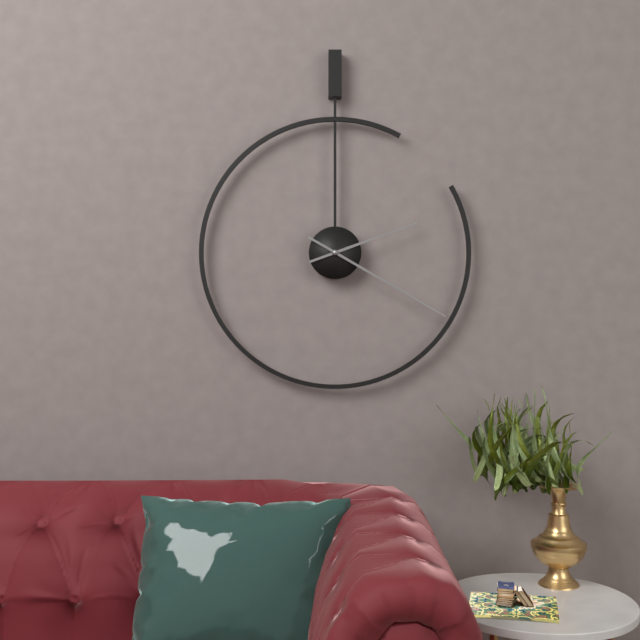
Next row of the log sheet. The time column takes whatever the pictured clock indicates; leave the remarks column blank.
2:20
